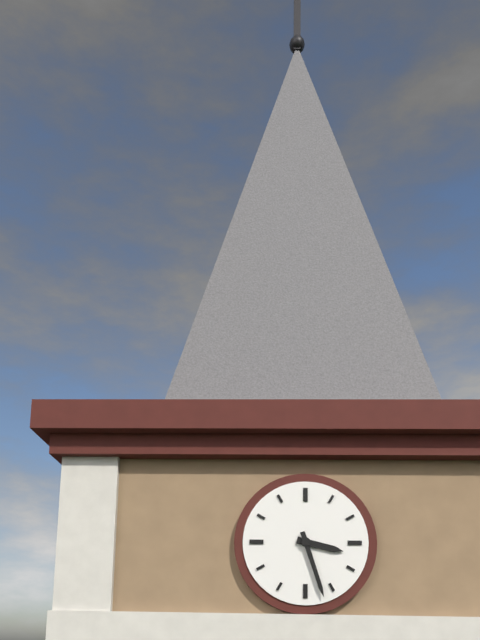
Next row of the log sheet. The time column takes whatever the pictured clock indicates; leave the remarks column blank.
3:27
